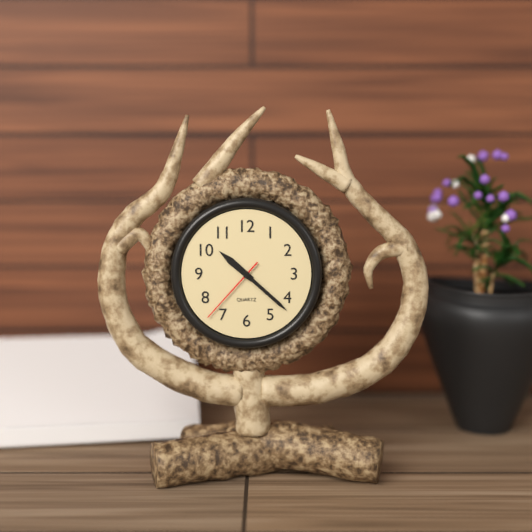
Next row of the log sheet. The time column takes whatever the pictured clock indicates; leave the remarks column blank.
10:22:37
